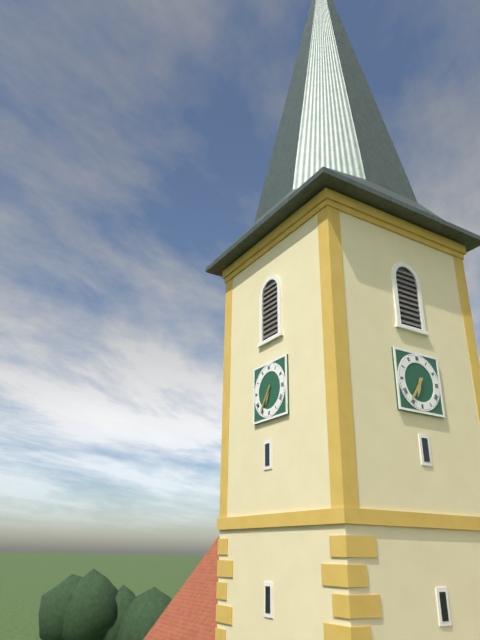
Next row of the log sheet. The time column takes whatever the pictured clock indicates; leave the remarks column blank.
6:36
